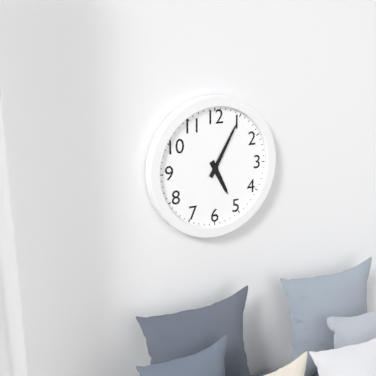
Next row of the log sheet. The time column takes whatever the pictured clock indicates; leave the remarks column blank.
5:05
